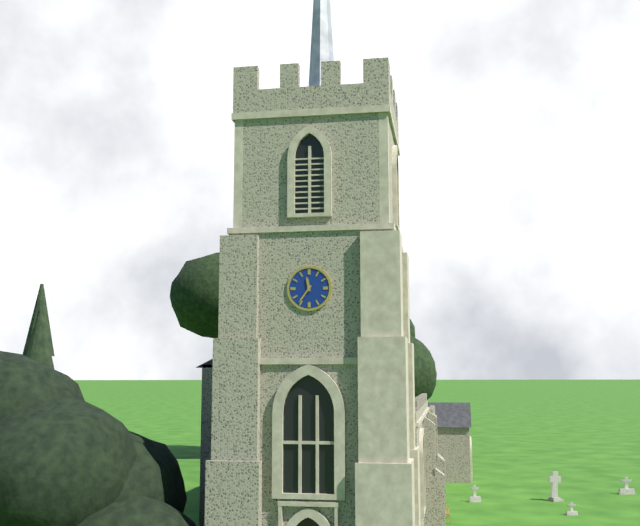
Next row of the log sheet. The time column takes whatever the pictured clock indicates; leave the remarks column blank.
11:36
